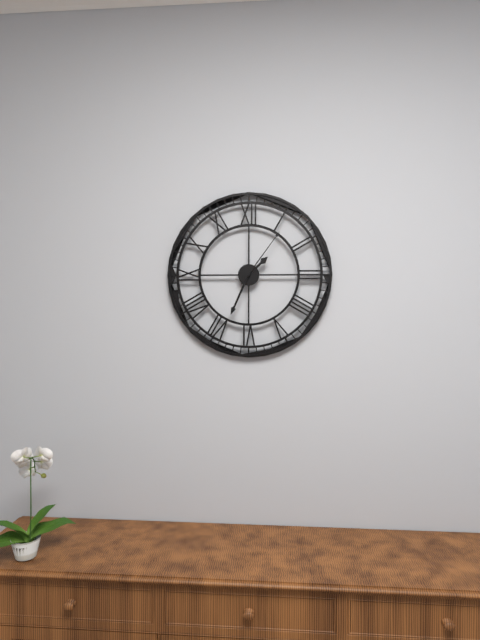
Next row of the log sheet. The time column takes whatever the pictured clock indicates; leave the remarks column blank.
1:34:06
